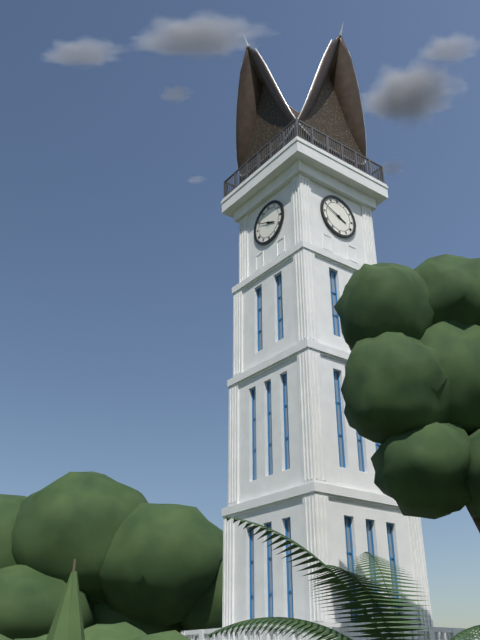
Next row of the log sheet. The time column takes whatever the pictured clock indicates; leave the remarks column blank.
3:49
